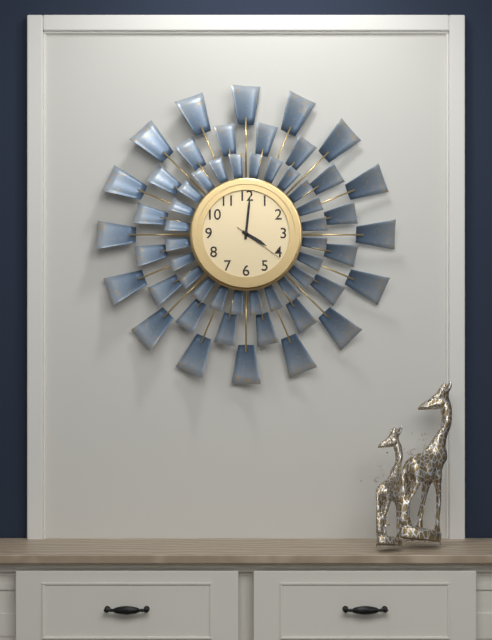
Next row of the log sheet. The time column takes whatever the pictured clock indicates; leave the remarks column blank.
4:01:21
